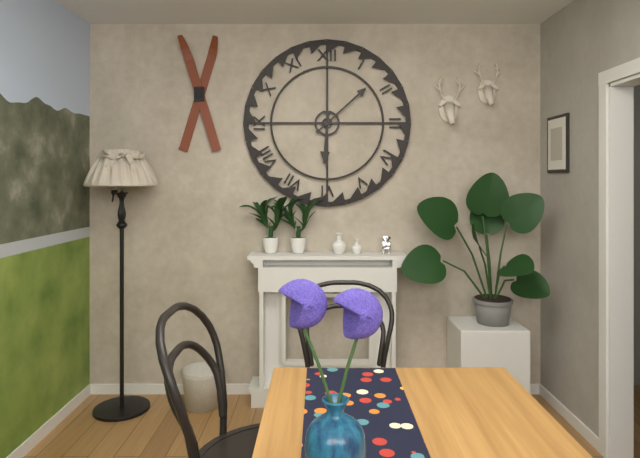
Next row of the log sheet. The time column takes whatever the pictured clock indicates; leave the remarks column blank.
6:08
